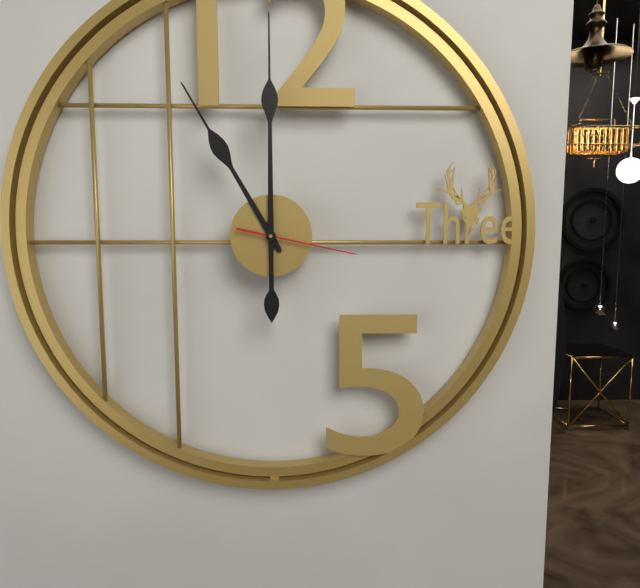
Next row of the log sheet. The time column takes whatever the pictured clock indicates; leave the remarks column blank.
11:00:17
